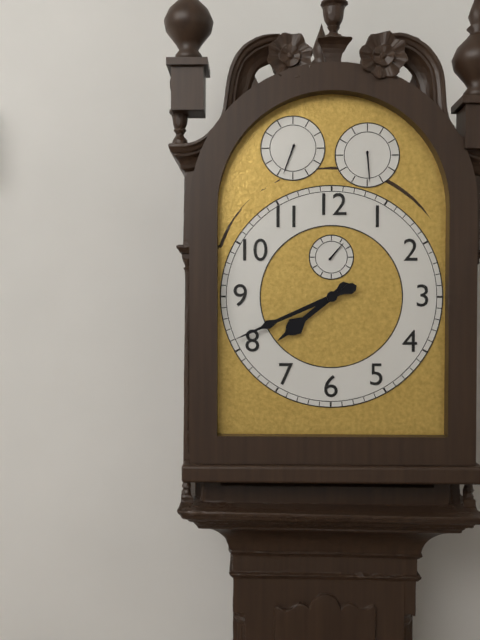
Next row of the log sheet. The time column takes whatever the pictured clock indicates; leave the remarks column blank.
7:41
